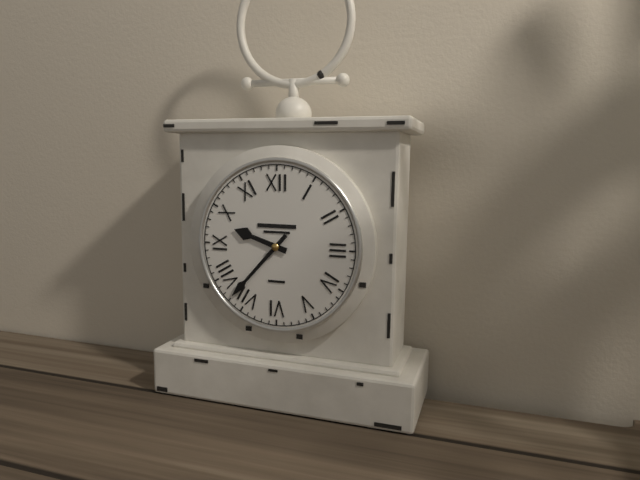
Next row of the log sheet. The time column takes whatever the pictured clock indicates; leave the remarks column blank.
9:37
